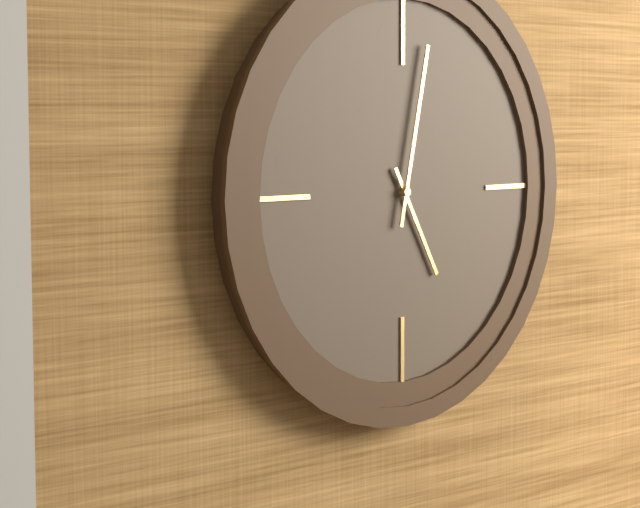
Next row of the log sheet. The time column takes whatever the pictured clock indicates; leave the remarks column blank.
5:02
